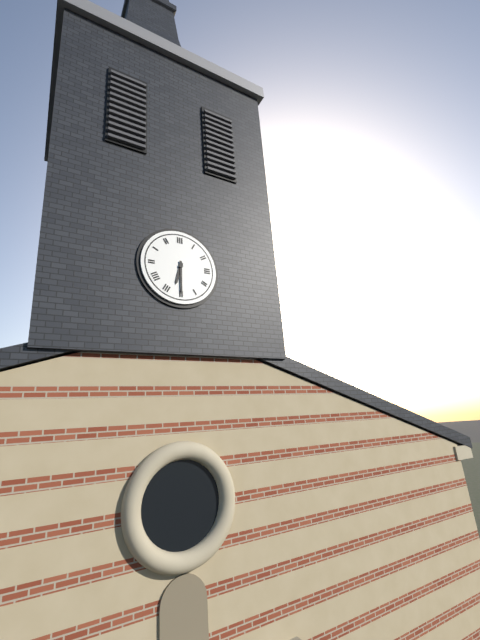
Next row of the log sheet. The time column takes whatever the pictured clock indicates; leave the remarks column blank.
6:30
